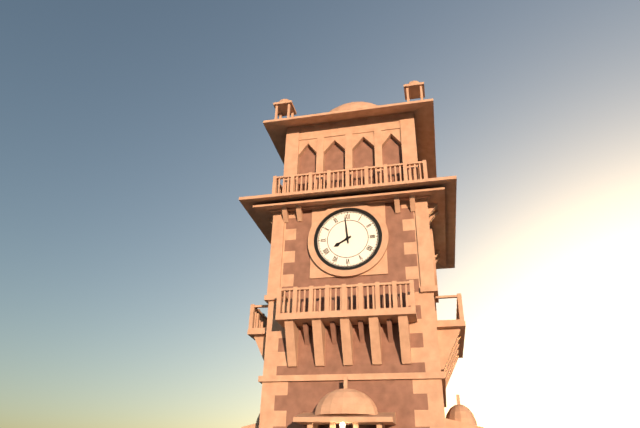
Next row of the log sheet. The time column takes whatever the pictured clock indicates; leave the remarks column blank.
7:59
